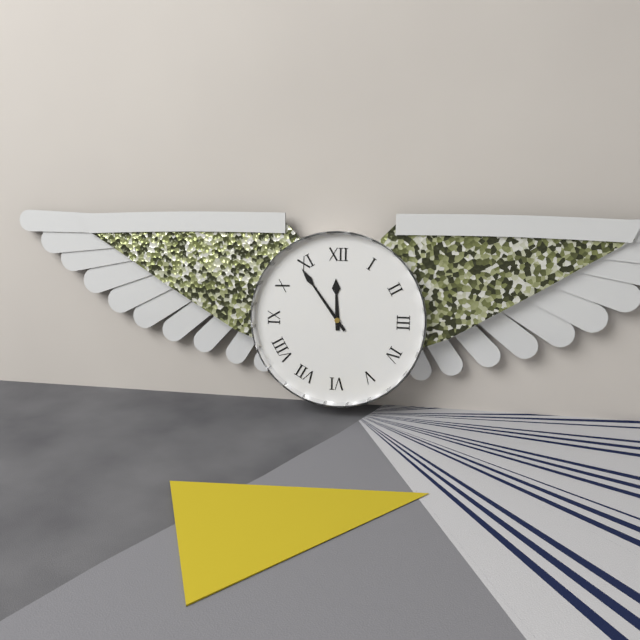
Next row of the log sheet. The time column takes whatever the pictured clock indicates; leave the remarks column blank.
11:54
